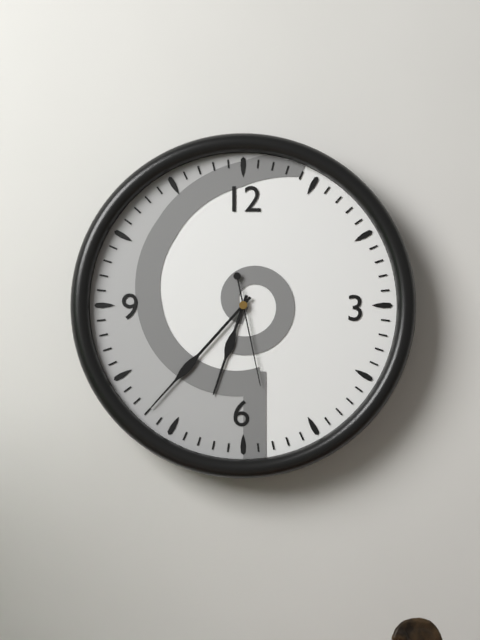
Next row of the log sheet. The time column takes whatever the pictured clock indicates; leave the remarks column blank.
6:37:28
